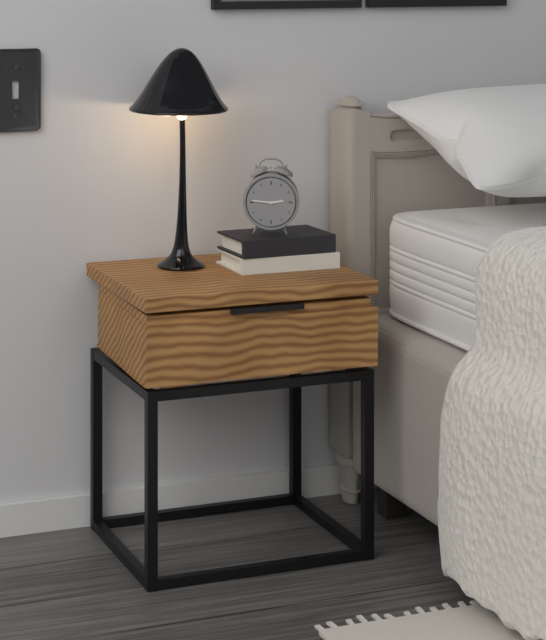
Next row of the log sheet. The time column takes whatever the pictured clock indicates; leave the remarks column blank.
2:46
